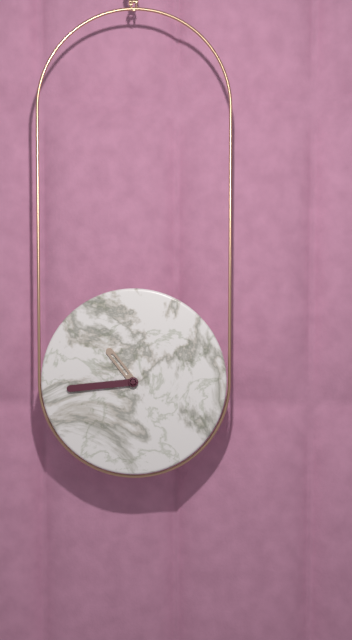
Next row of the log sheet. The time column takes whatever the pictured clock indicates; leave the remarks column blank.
10:44
